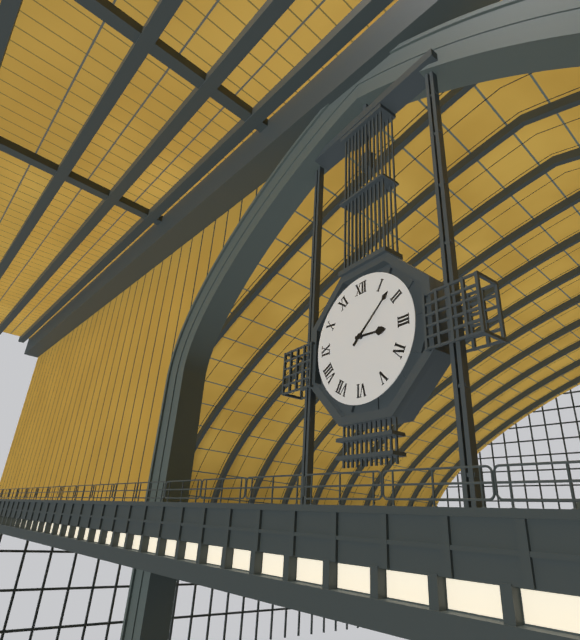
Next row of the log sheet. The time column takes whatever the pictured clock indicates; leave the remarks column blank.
3:08
